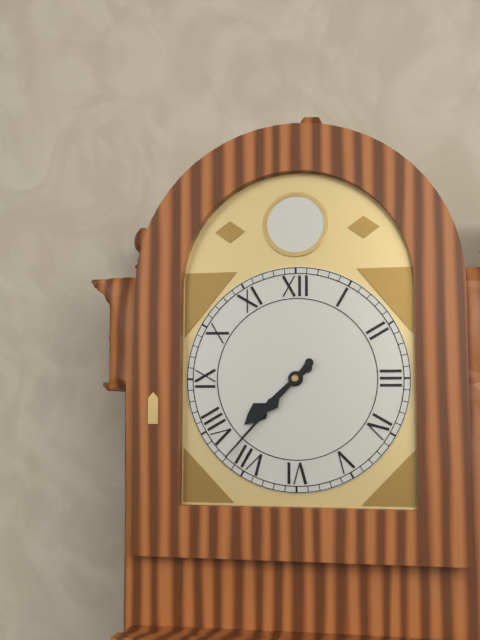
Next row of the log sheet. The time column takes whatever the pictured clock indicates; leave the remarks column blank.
7:37
